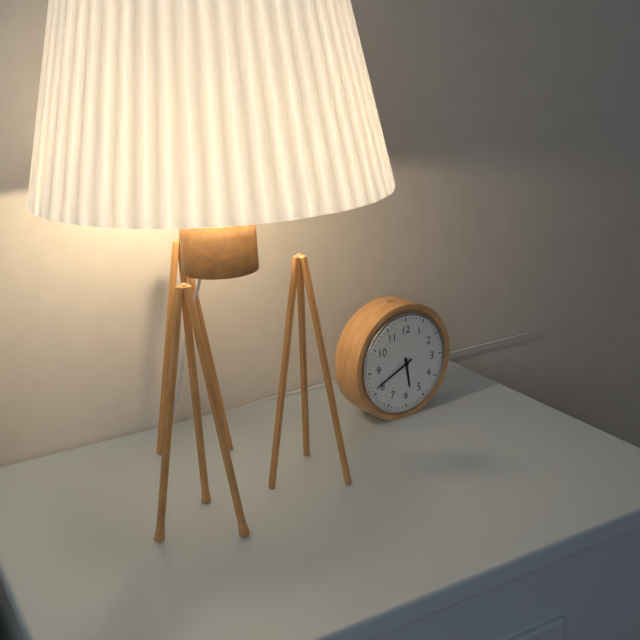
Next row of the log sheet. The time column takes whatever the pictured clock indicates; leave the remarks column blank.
5:41
